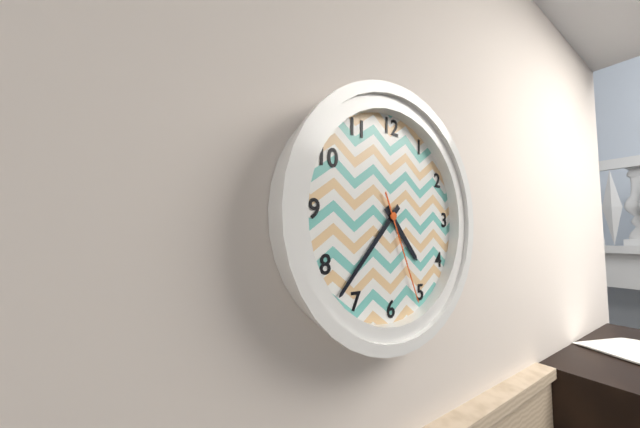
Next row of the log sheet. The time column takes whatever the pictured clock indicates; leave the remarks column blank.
4:37:26
